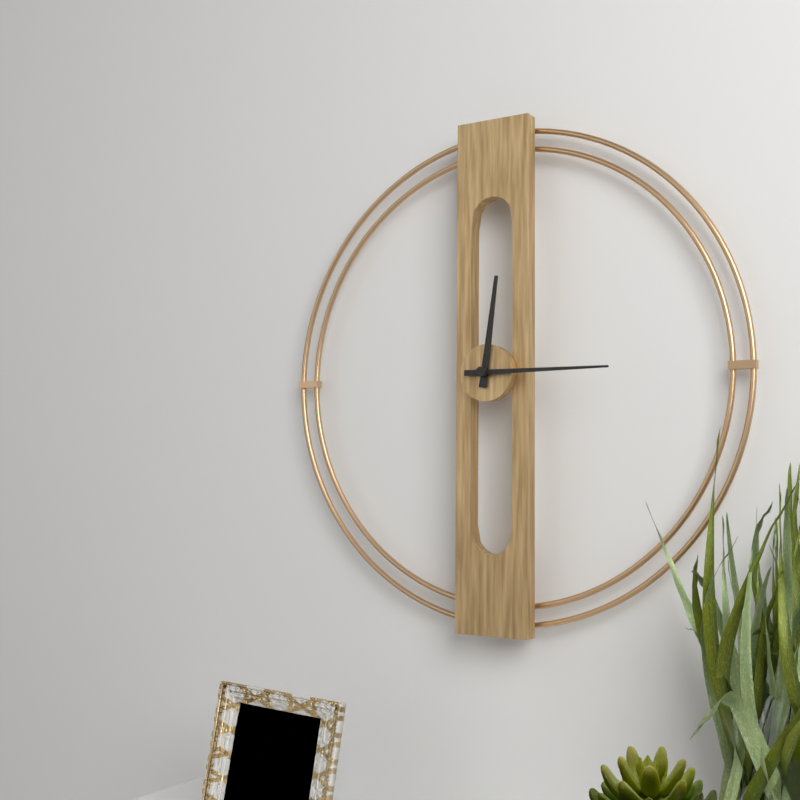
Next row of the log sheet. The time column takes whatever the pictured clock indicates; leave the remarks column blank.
12:15
